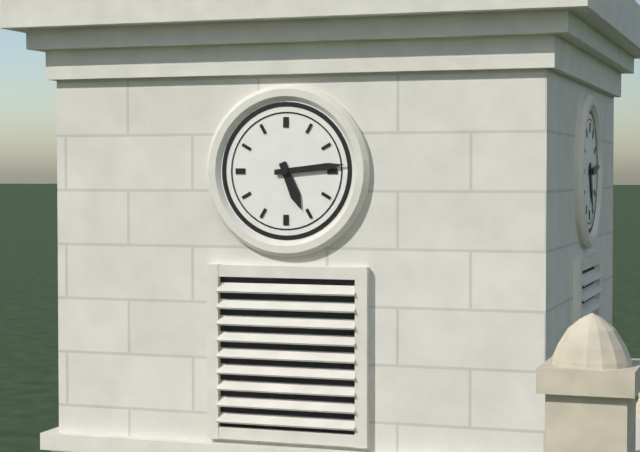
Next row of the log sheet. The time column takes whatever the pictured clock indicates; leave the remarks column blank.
5:14
